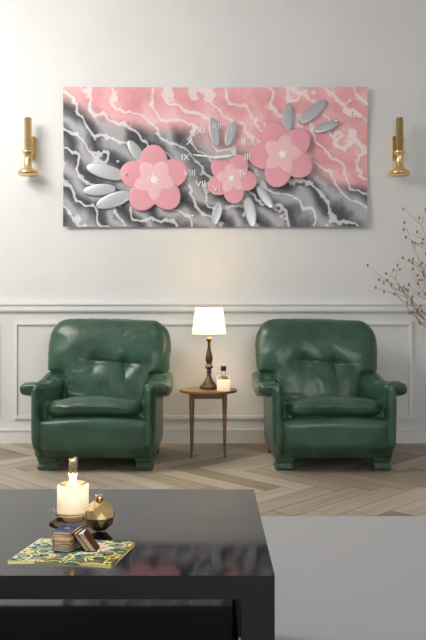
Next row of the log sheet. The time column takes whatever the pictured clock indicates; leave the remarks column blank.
2:46
